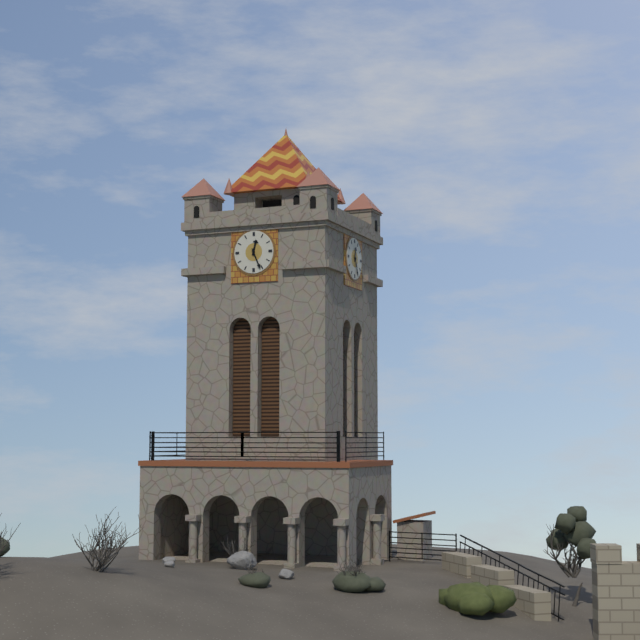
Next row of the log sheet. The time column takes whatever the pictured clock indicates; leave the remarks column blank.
12:26
